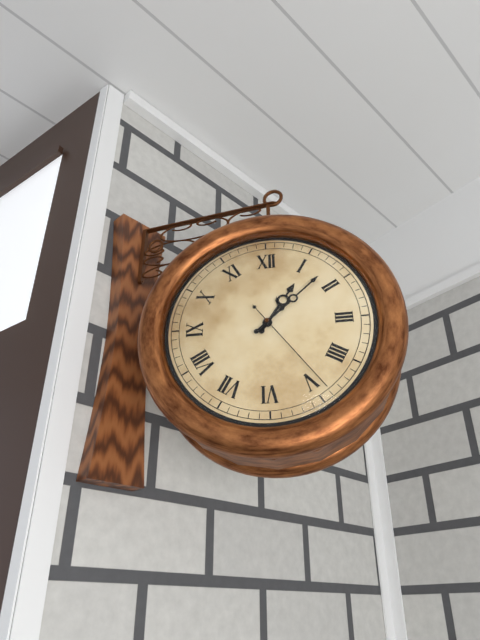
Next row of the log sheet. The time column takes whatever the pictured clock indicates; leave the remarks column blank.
1:08:24
